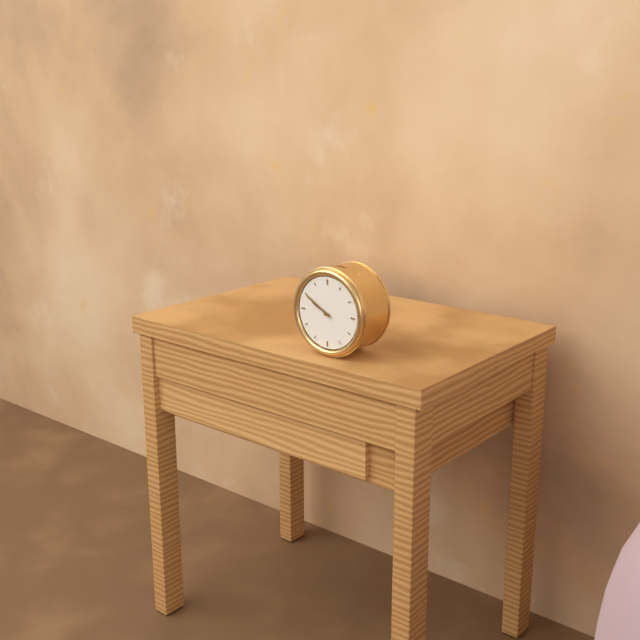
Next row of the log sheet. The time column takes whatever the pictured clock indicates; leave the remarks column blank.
9:50
